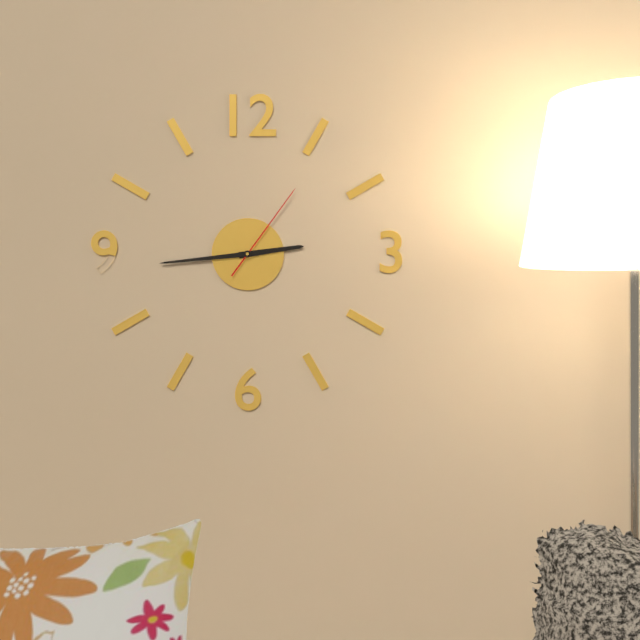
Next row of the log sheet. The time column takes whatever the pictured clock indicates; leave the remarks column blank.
2:44:06
